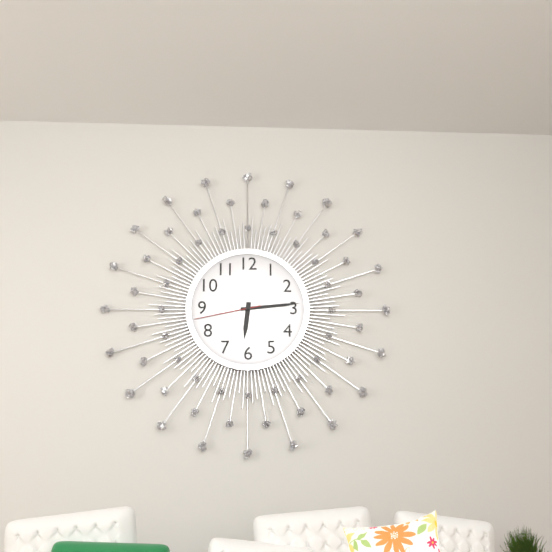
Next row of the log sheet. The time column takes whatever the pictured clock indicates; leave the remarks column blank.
6:14:43
